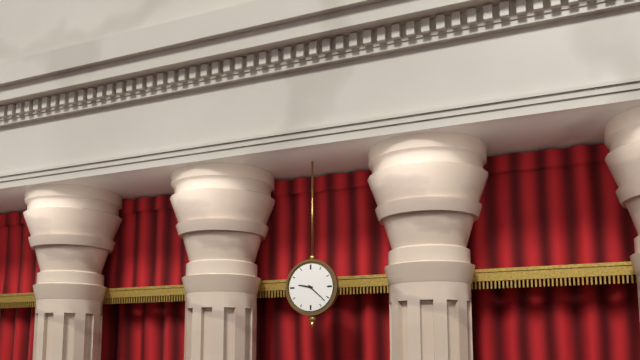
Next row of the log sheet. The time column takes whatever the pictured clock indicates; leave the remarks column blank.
9:22
